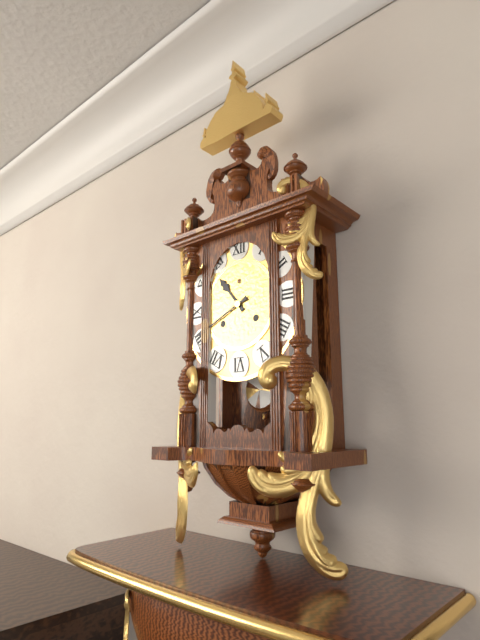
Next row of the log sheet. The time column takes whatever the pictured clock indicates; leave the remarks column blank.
10:41
